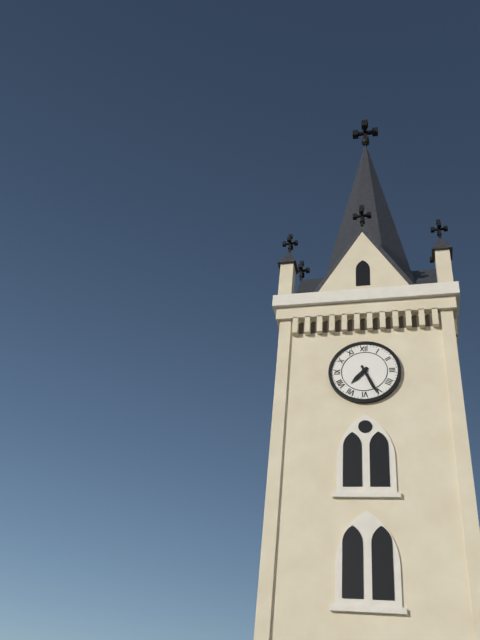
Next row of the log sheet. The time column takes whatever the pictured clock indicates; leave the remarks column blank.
7:26
